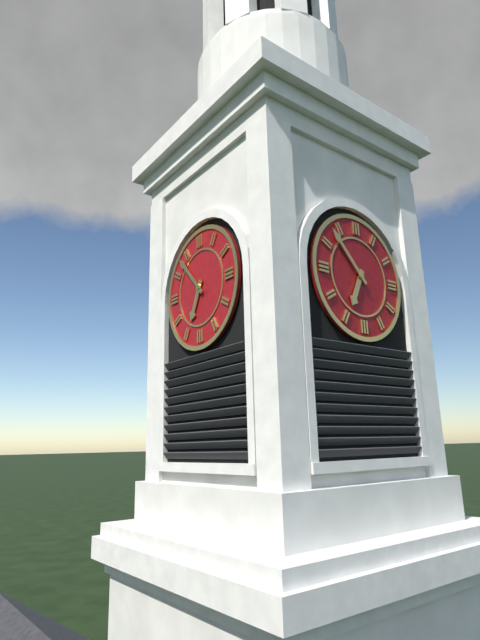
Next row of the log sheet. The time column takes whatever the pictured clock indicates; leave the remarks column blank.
6:53
